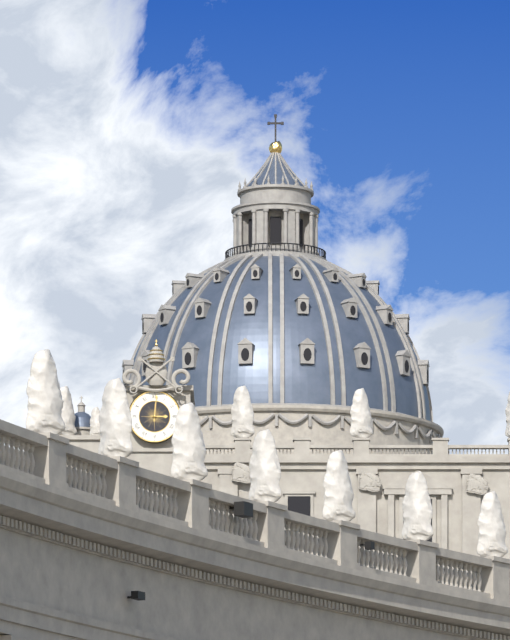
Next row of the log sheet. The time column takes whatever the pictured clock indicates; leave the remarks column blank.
3:01
